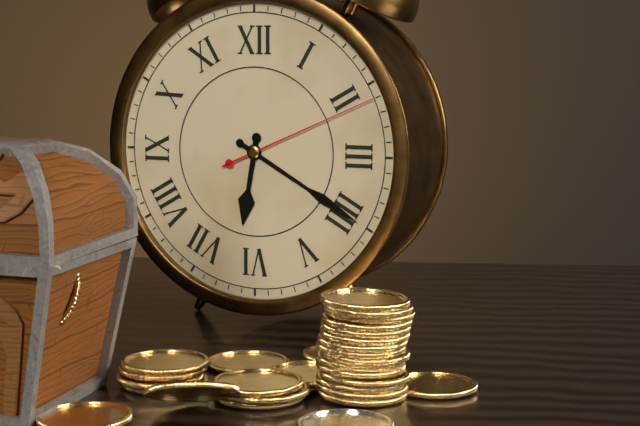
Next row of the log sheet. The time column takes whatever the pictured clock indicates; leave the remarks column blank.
6:20:11
